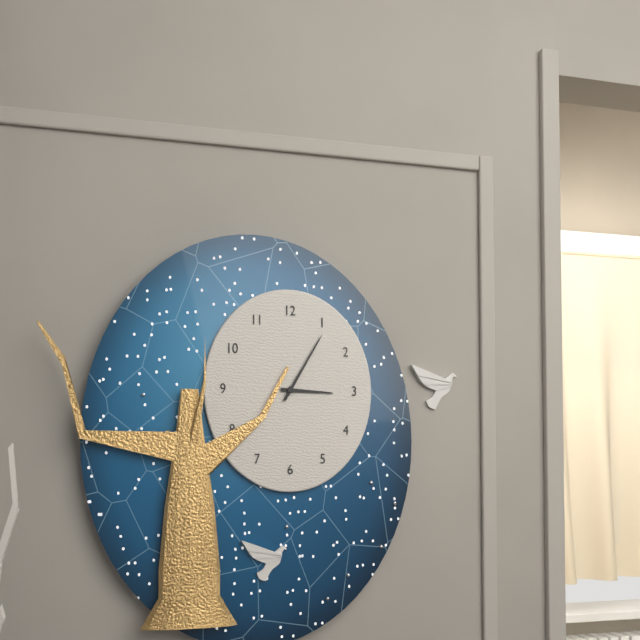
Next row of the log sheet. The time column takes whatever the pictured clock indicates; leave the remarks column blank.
3:05
